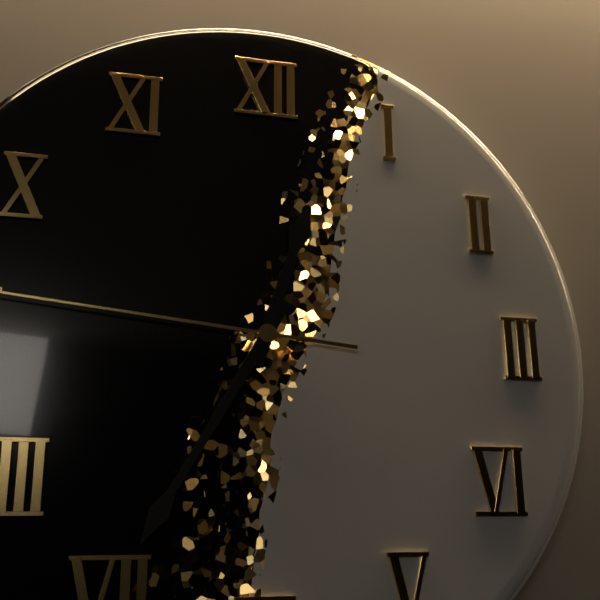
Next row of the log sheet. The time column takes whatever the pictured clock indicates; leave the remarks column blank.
12:35
